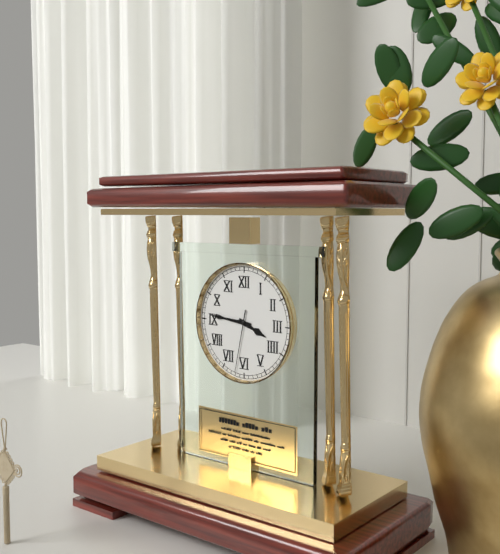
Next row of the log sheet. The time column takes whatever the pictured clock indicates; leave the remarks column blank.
3:46:32
